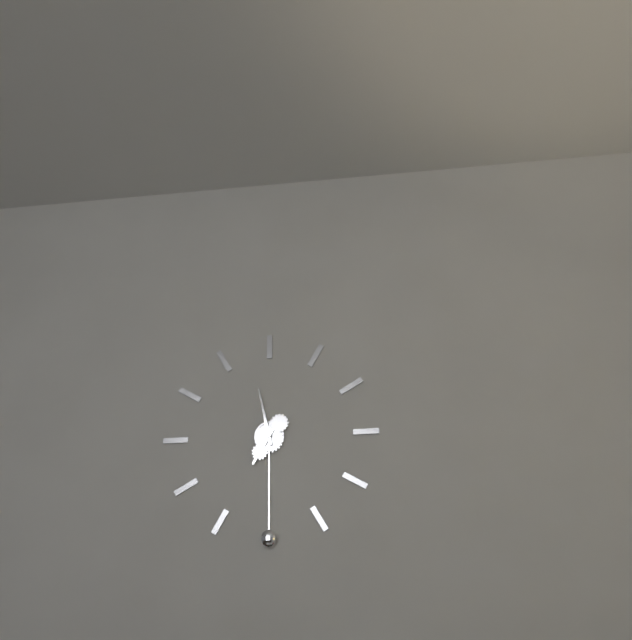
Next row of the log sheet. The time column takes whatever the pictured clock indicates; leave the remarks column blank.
6:58
